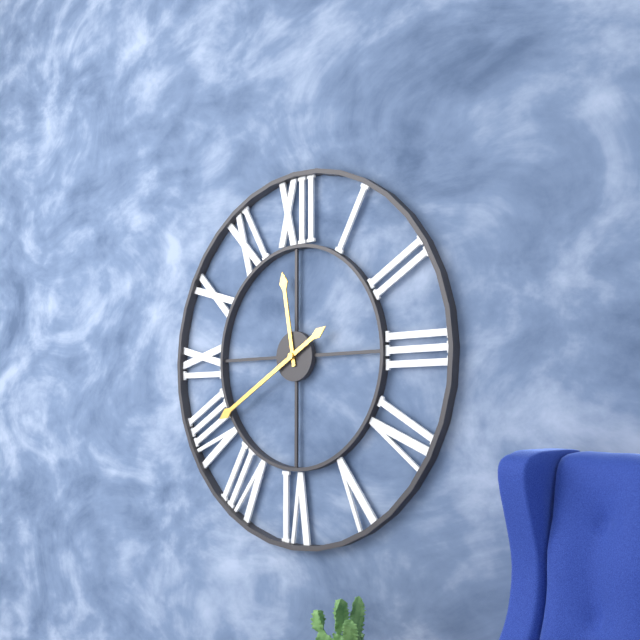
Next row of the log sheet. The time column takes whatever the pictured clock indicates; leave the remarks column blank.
11:40
